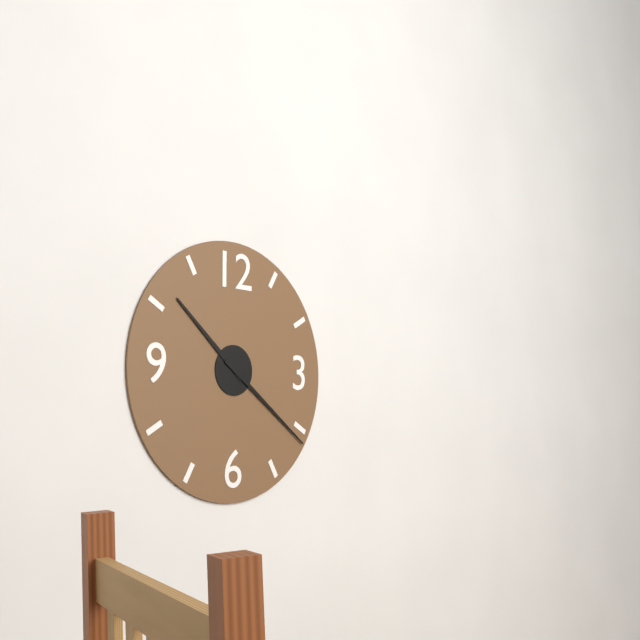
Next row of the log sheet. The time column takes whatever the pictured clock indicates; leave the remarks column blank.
10:21
